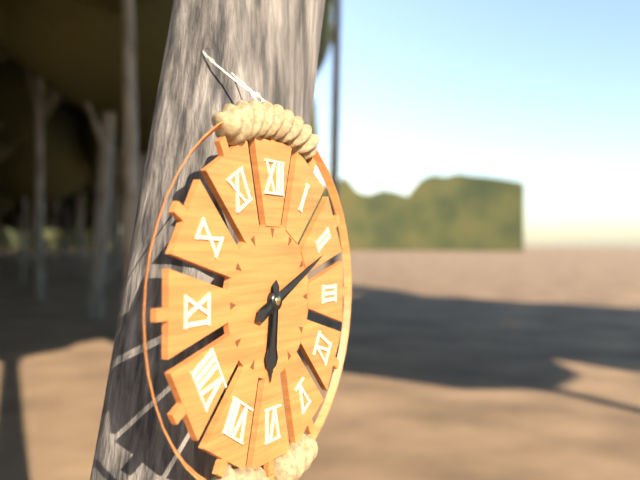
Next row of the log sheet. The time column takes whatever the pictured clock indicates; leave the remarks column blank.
6:11
